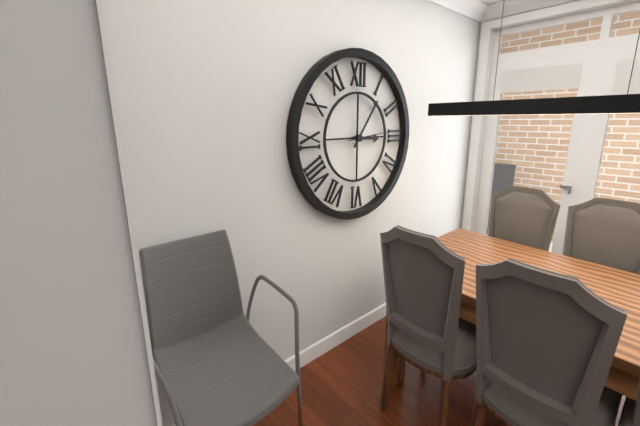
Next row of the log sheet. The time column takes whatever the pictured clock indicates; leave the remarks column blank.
3:06
